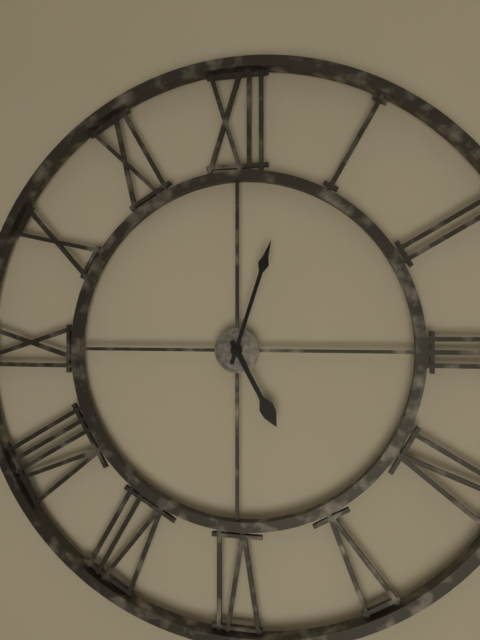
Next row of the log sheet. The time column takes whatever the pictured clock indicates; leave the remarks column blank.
5:03
